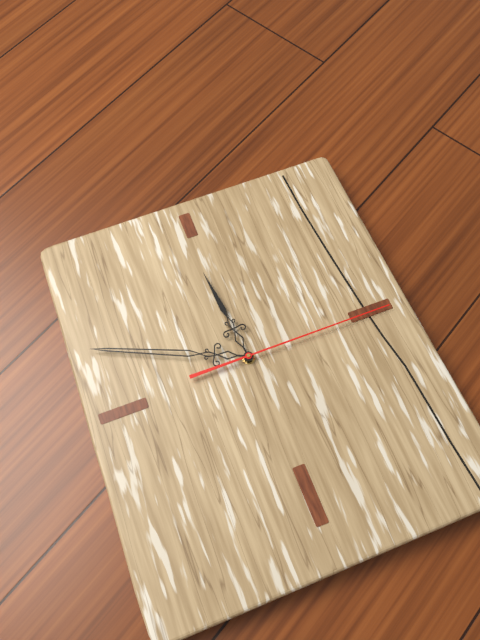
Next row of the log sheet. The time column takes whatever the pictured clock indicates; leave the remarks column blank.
11:49:15
